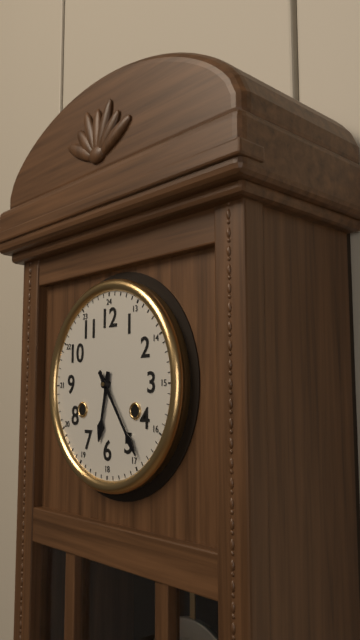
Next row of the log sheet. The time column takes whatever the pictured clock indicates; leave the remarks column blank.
6:24
